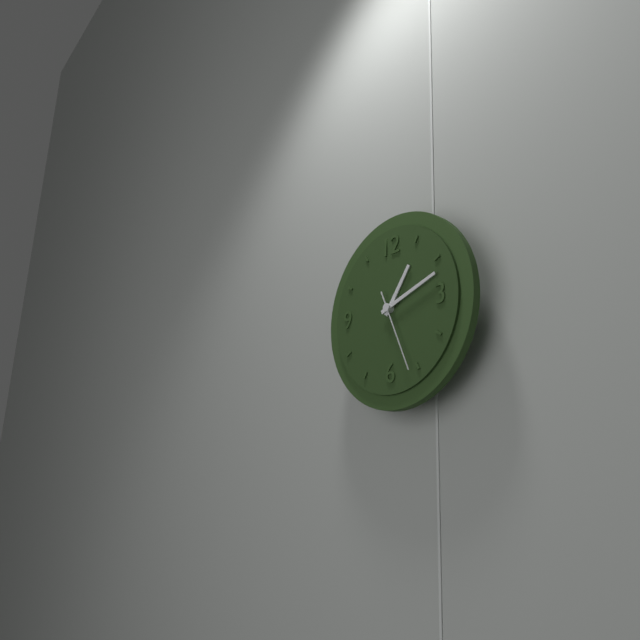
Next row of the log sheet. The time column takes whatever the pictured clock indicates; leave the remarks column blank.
1:12:26
